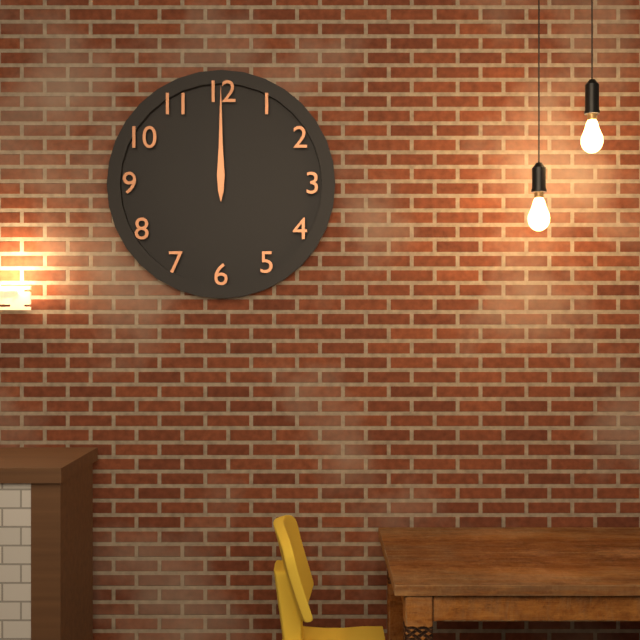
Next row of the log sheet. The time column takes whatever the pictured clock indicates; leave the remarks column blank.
12:00
